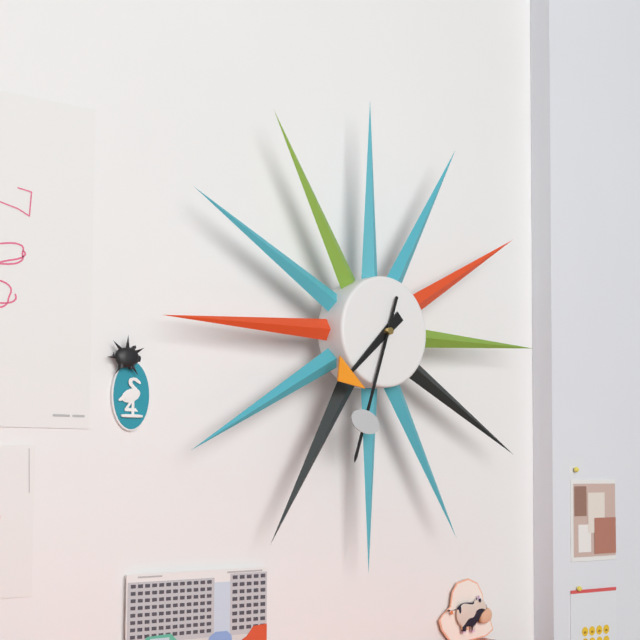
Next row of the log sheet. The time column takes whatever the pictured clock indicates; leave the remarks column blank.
7:33
